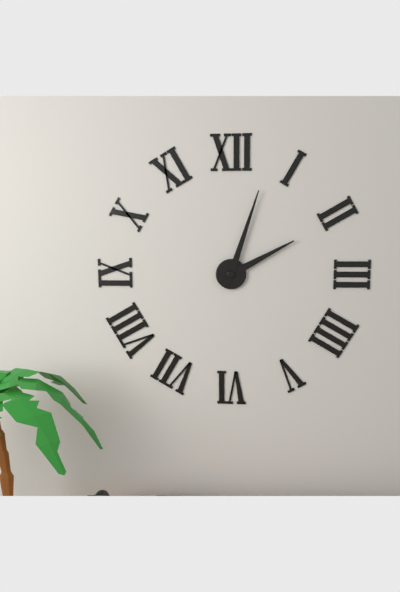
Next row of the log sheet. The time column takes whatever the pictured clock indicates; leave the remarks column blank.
2:03
